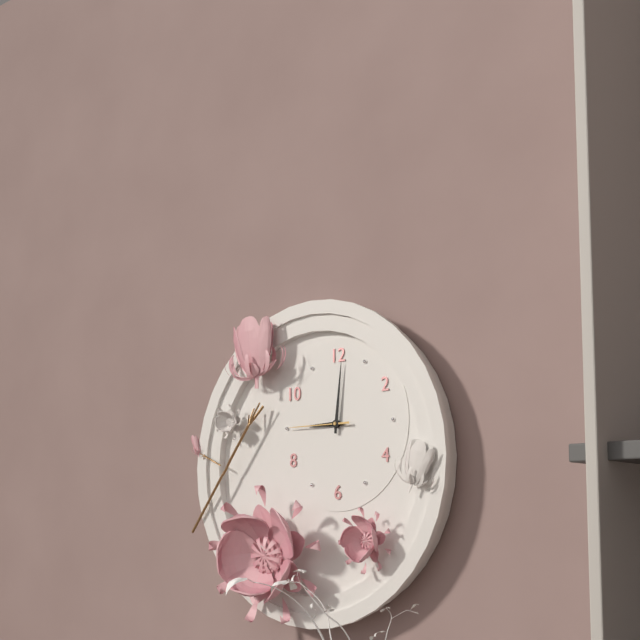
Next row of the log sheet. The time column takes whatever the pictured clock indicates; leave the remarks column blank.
9:01:45
